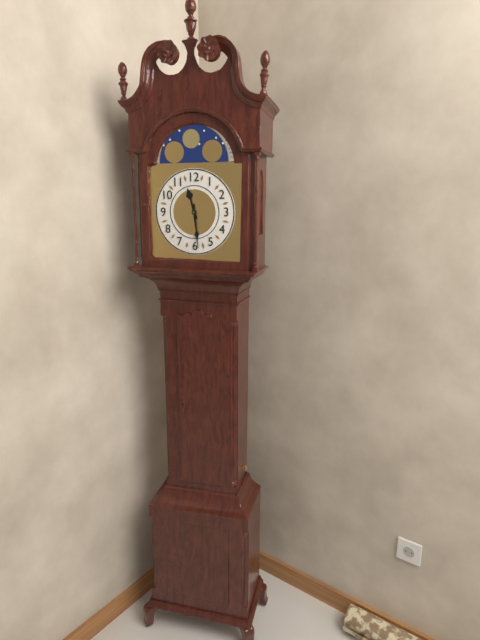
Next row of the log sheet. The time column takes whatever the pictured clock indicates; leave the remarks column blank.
11:29
